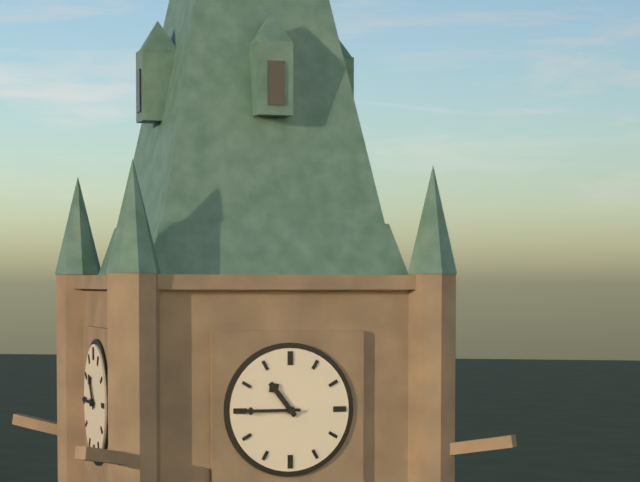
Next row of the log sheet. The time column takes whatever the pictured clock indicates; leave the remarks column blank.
10:45
